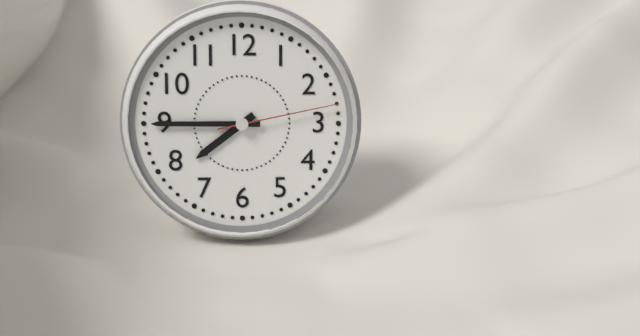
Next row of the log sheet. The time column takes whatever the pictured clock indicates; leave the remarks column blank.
7:45:13
